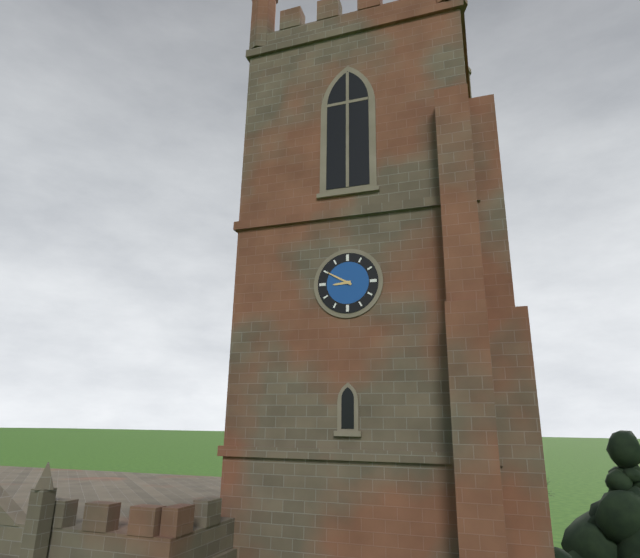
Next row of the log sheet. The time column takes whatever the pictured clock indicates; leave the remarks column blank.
8:50
